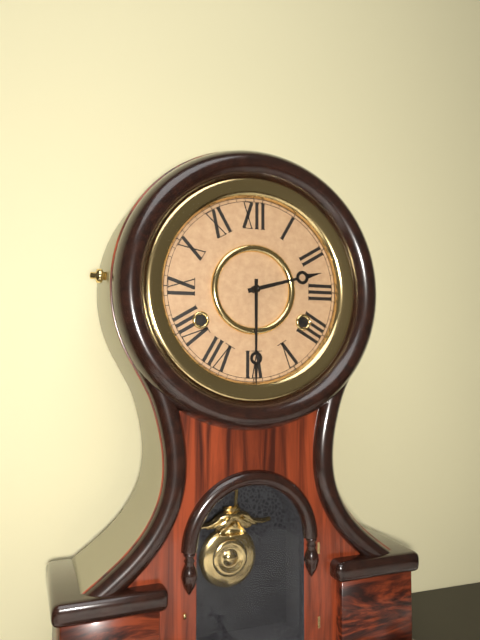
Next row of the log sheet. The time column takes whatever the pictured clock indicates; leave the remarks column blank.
2:30
